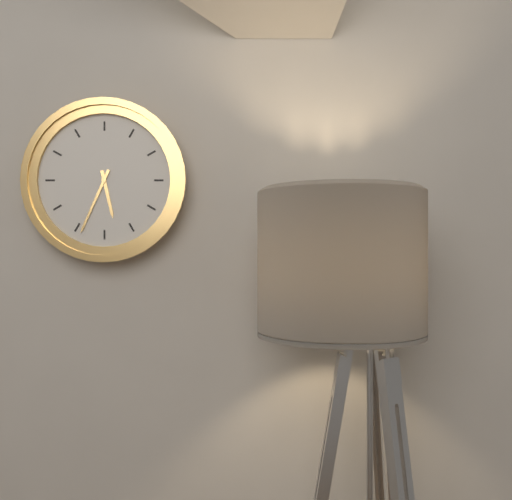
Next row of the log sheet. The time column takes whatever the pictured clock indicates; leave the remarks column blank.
5:34
